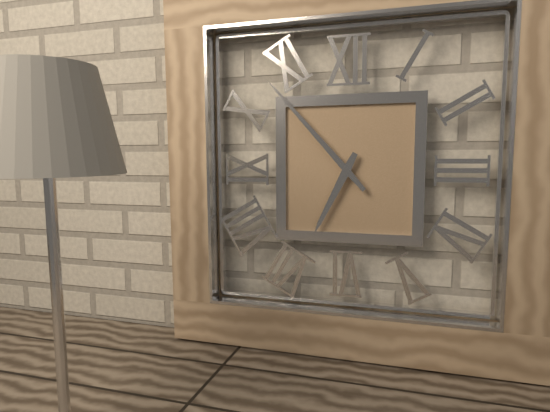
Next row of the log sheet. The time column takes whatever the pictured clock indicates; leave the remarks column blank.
6:53
